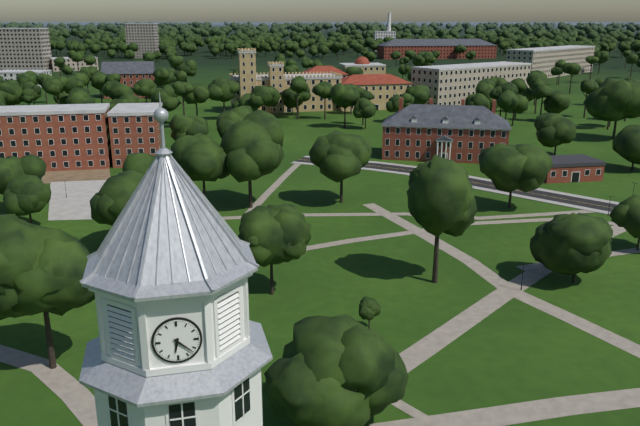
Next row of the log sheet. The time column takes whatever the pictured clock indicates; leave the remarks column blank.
6:22
